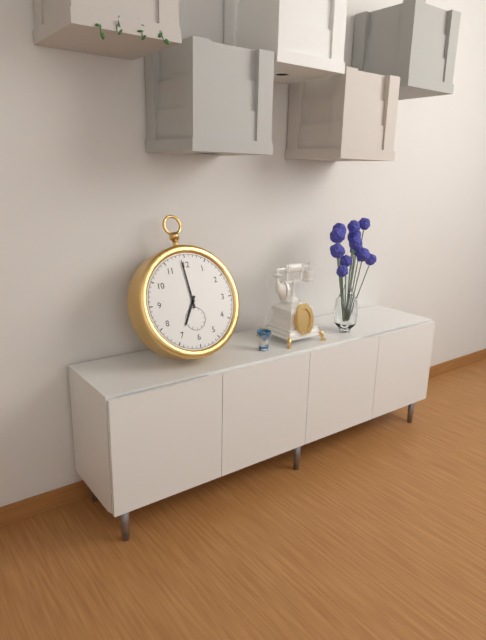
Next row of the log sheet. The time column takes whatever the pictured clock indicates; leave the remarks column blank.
6:59
